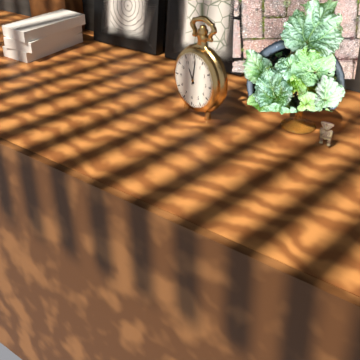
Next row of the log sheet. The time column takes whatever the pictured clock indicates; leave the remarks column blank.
11:01
